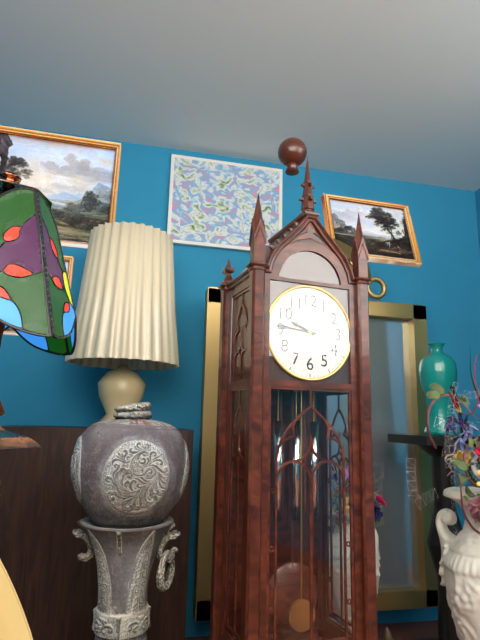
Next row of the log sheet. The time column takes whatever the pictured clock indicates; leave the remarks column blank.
9:46
